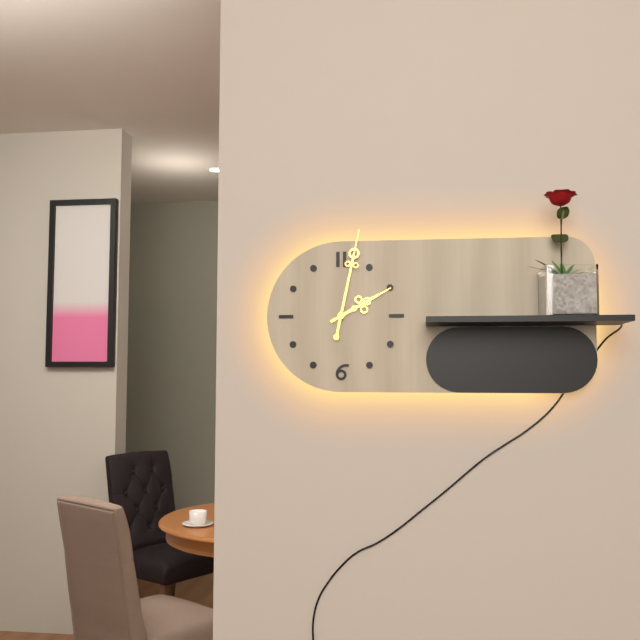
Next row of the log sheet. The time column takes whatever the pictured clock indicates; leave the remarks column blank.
2:02
